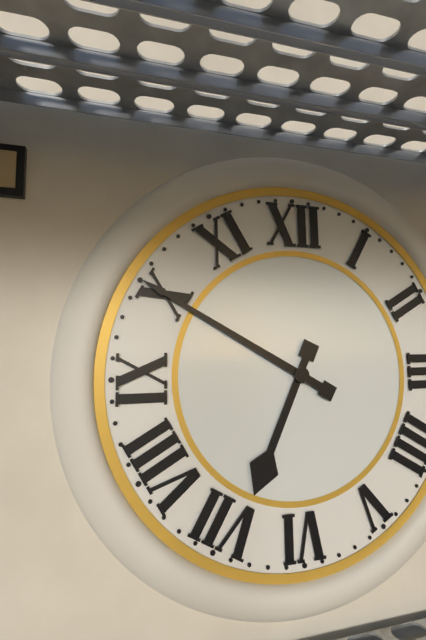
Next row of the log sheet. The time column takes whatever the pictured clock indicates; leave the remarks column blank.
6:50
